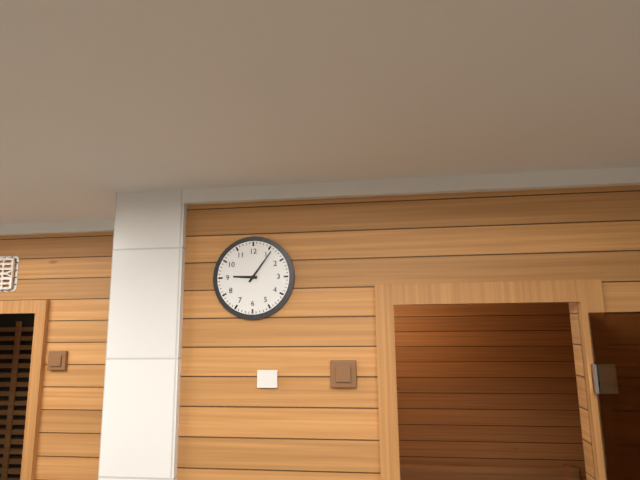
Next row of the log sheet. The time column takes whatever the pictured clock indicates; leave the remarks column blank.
9:06
